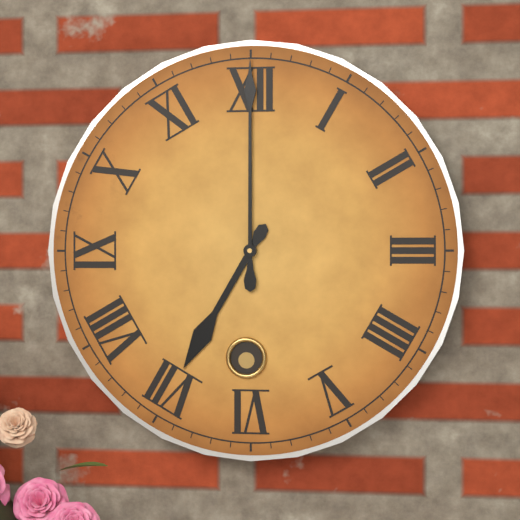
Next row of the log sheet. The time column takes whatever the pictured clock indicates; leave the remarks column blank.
7:00
